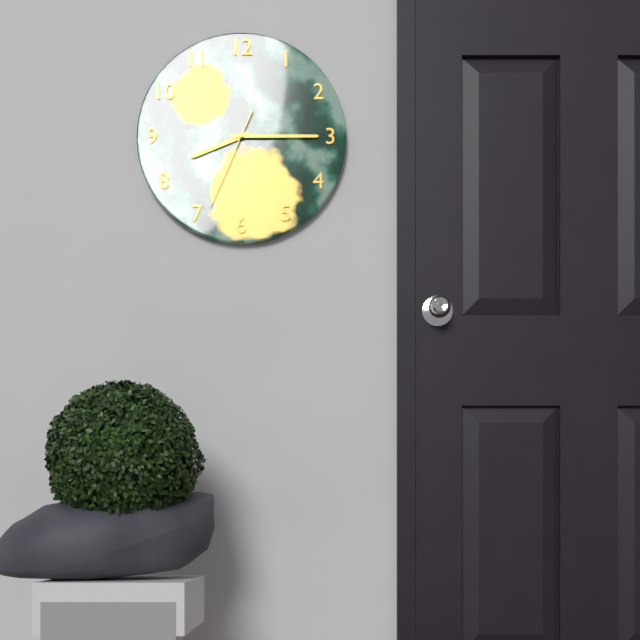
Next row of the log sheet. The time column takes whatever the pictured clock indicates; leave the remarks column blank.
8:15:34
